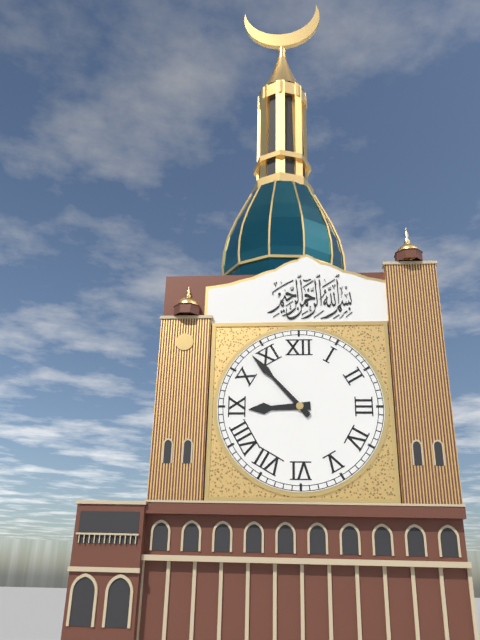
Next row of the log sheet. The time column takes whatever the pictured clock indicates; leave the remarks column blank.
8:53
